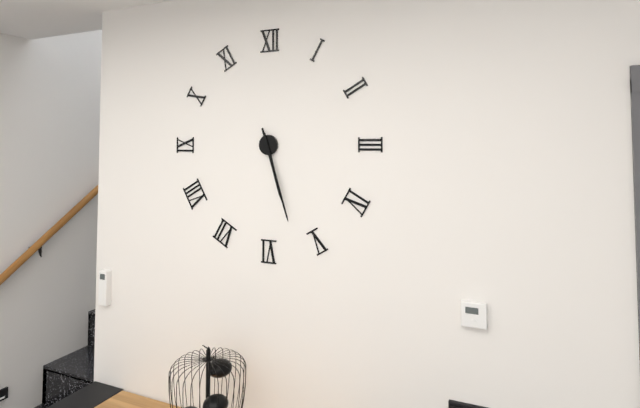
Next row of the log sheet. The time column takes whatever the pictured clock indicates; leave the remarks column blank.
5:27
